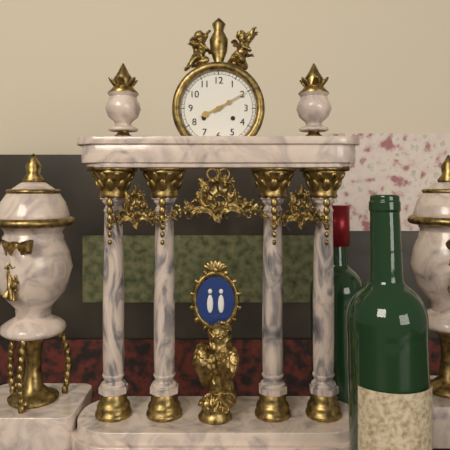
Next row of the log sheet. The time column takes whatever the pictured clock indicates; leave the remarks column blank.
8:10
